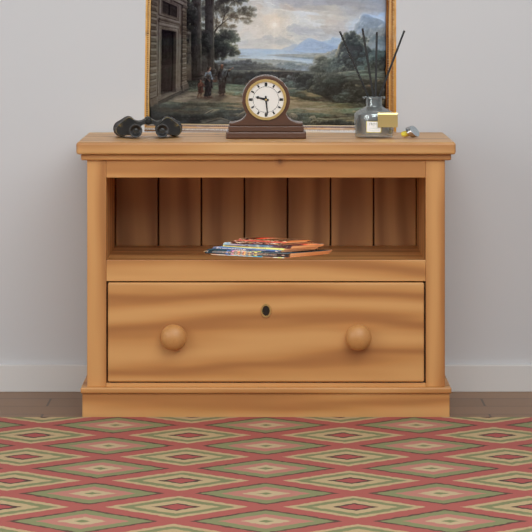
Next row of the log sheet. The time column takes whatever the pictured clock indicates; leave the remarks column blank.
9:29
